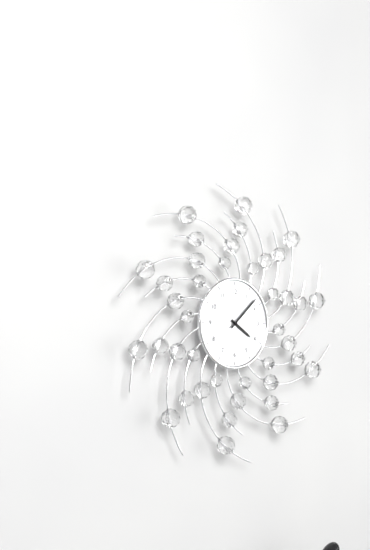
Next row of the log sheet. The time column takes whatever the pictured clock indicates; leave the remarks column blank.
4:08
